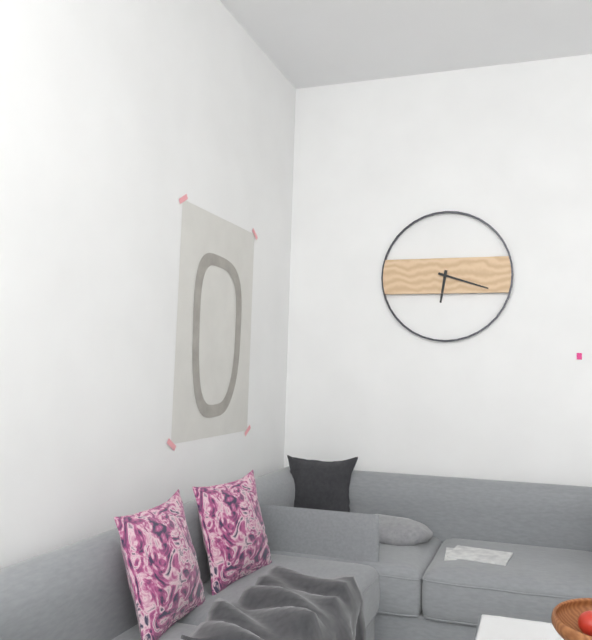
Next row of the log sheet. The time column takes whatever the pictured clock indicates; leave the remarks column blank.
6:18
